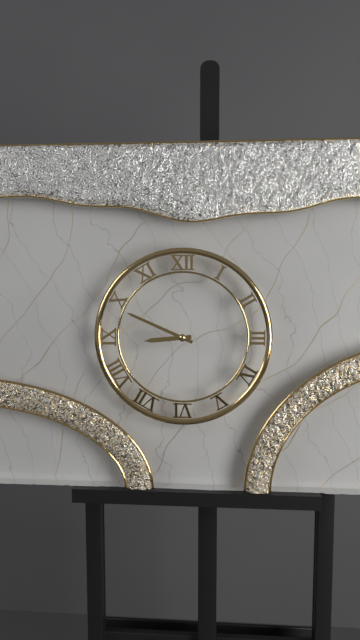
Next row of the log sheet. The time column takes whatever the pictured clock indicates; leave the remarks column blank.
8:49
